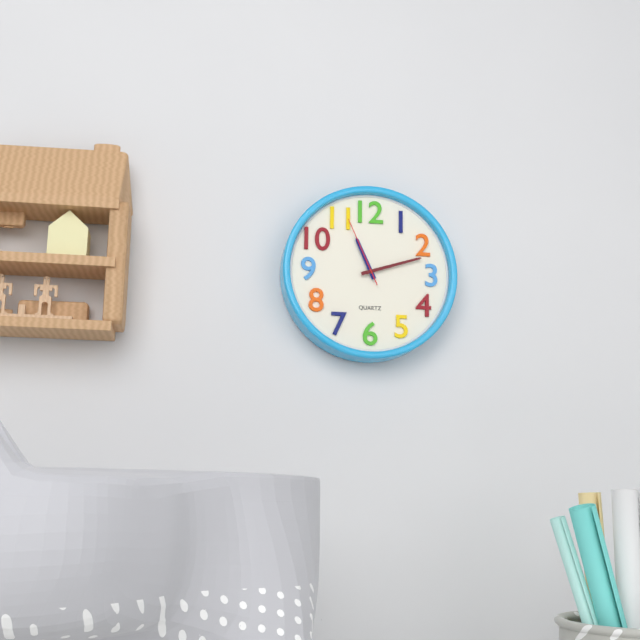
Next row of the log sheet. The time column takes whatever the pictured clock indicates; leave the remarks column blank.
11:12:56
